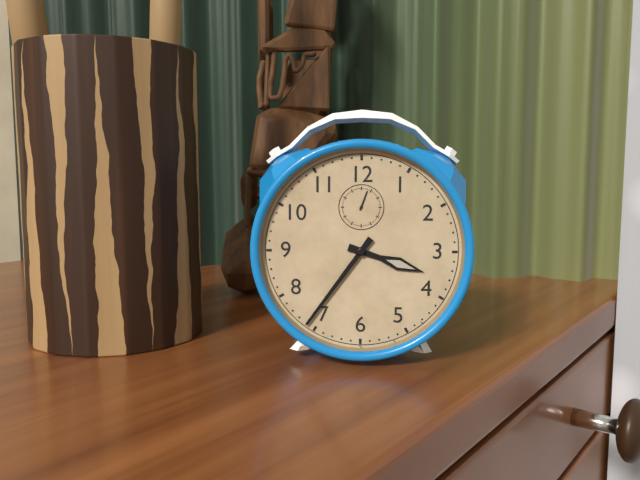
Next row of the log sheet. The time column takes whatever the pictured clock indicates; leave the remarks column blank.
3:36
